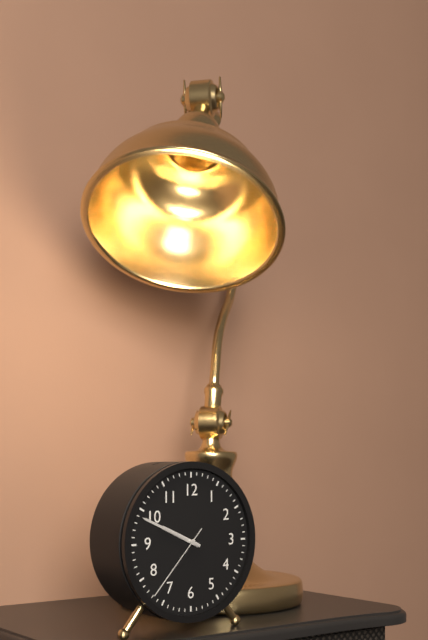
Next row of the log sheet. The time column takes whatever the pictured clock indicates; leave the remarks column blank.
9:49:37
